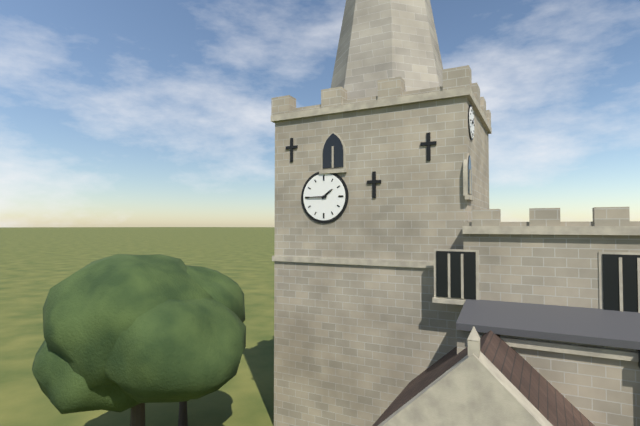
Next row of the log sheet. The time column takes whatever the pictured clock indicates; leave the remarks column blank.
1:45
